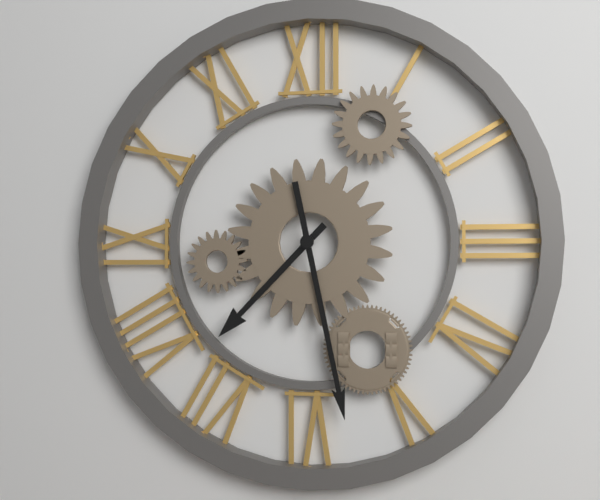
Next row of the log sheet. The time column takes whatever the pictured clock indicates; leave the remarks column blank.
7:28
